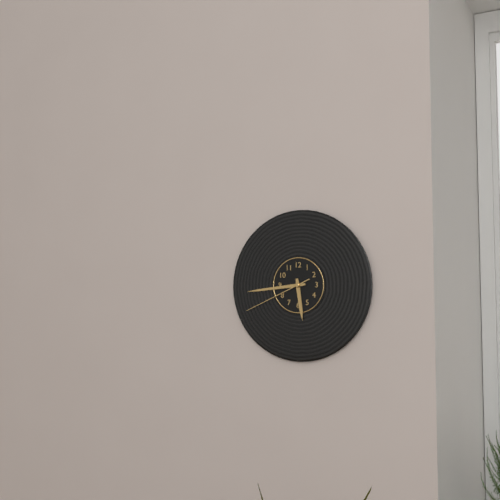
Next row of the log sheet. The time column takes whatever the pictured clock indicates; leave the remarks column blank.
5:44:41
